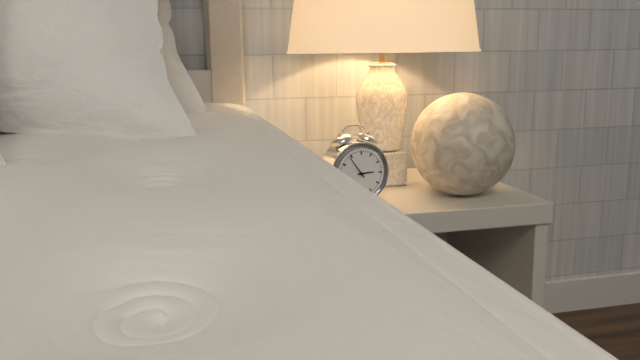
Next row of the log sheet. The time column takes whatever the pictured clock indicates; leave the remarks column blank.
2:54
